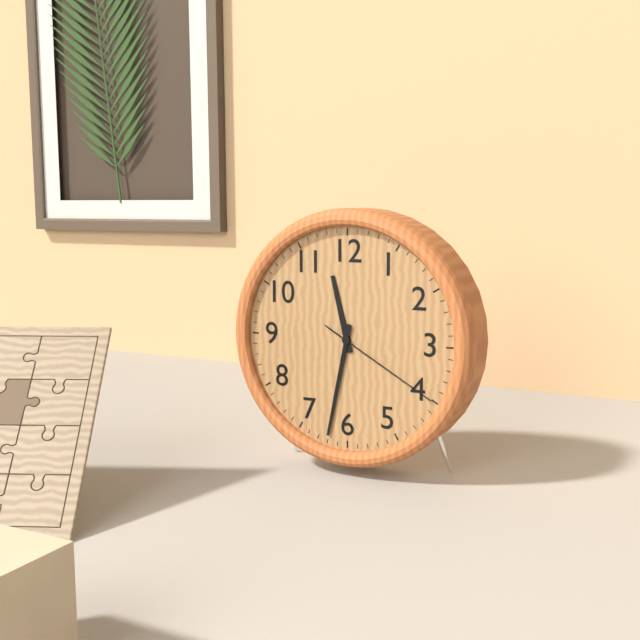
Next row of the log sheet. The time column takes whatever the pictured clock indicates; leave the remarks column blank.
11:32:20
